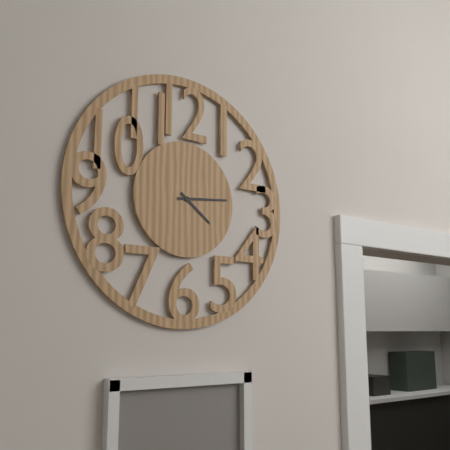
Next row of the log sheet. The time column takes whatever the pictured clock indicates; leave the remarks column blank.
4:14
